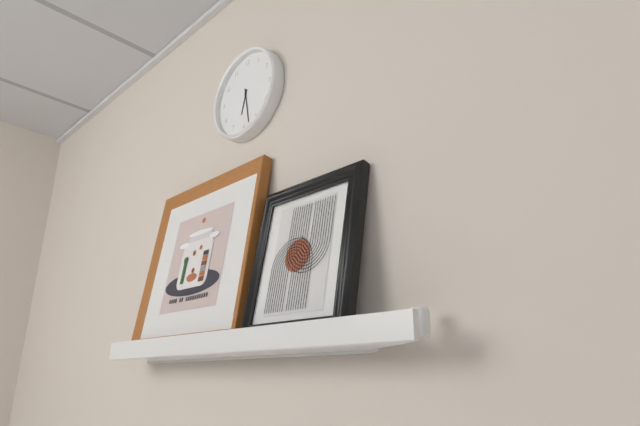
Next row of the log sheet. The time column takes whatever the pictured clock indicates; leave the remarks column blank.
6:28
